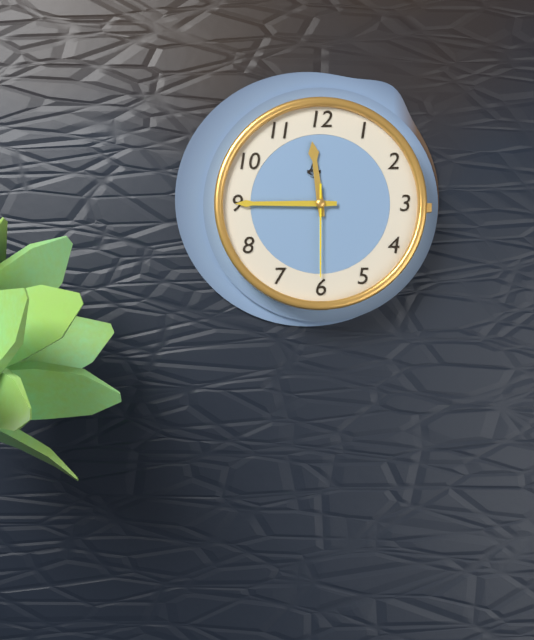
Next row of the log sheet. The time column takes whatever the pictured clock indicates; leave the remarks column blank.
11:45:30
